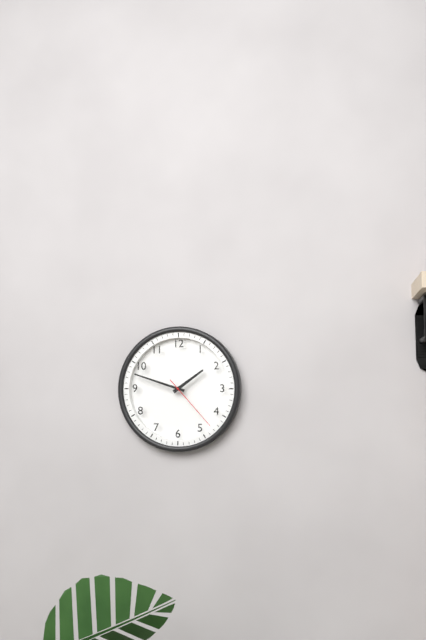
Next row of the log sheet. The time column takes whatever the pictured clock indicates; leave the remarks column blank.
1:48:23
